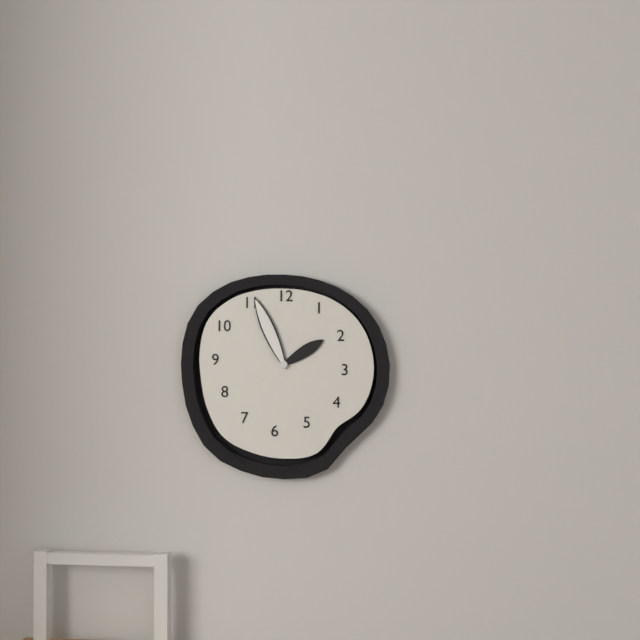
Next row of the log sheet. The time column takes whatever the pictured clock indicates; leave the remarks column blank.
1:56
